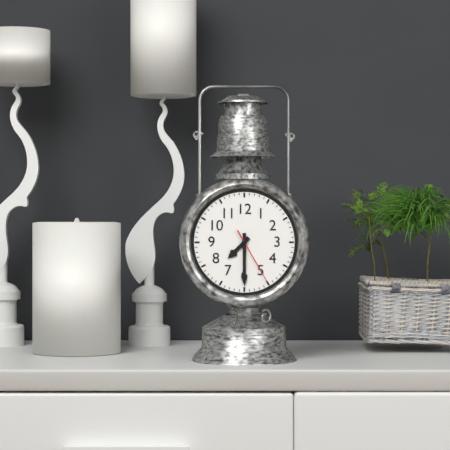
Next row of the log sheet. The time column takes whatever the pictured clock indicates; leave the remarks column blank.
7:30:25
